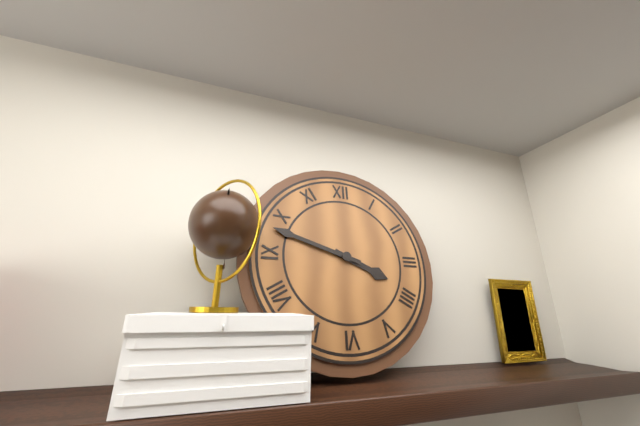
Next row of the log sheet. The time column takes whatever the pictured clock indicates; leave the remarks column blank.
3:48
